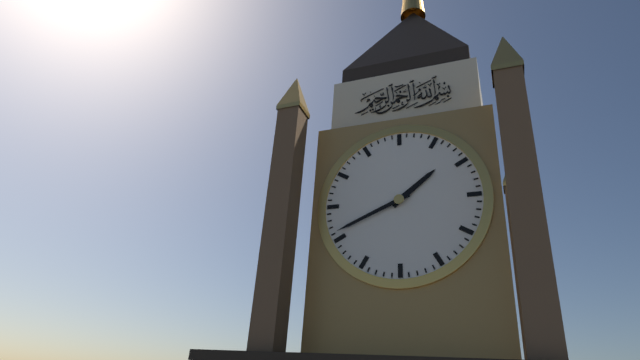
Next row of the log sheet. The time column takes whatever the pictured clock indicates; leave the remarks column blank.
1:41
